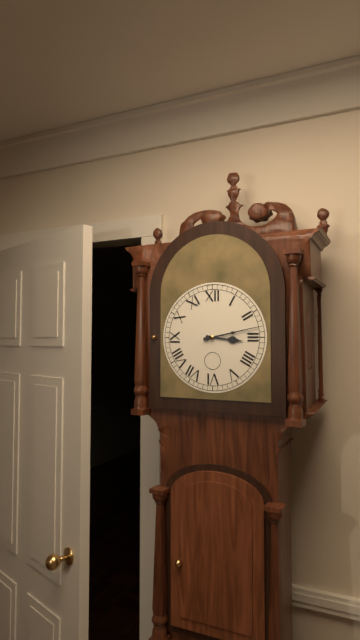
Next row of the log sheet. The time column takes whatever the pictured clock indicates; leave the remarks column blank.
3:13
